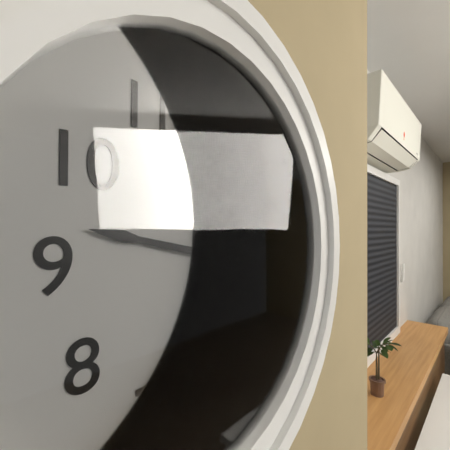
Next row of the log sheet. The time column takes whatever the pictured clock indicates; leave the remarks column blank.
11:47
